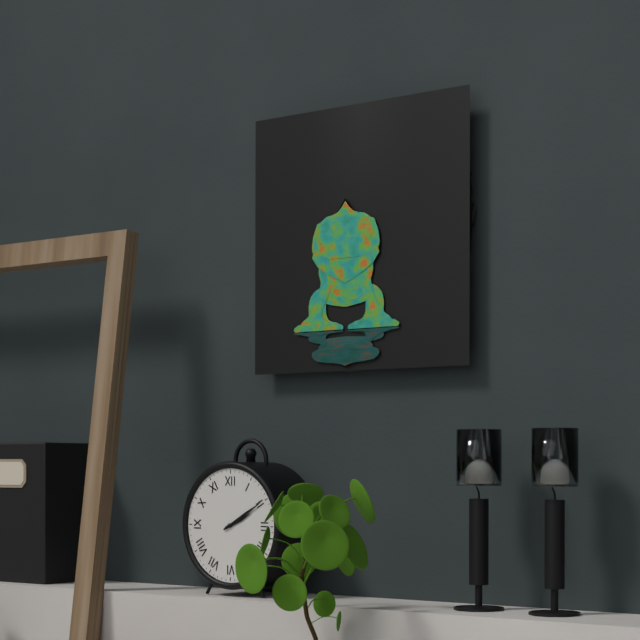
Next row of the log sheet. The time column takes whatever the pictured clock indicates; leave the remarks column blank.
2:10
